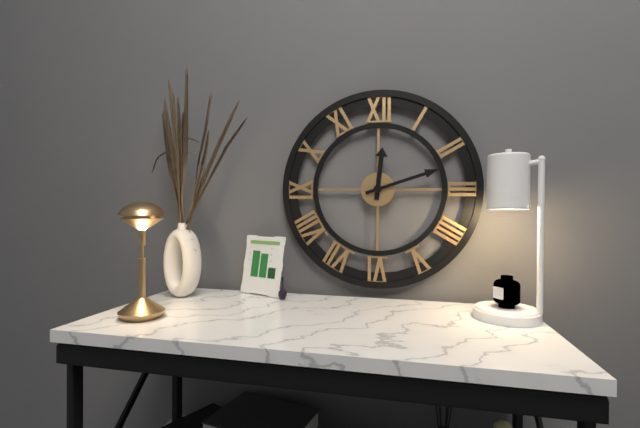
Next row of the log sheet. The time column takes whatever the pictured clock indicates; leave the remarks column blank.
12:12
